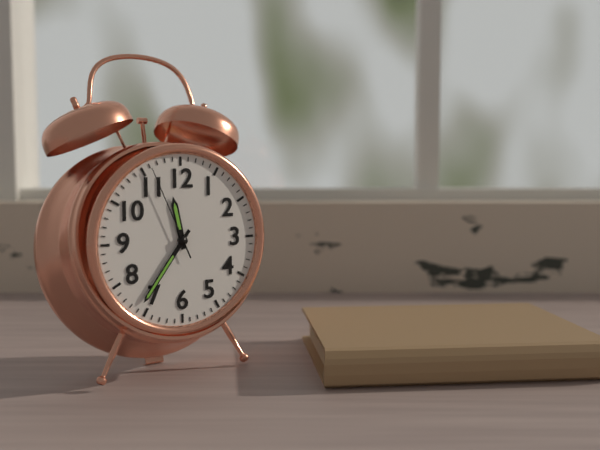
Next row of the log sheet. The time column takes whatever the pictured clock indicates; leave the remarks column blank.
11:36:56
